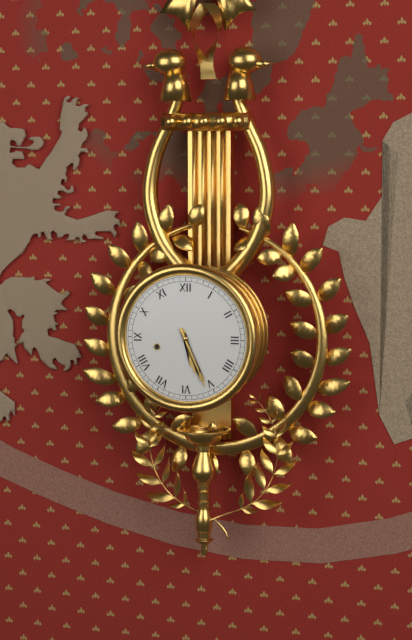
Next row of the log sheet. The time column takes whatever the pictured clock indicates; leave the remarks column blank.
5:26
